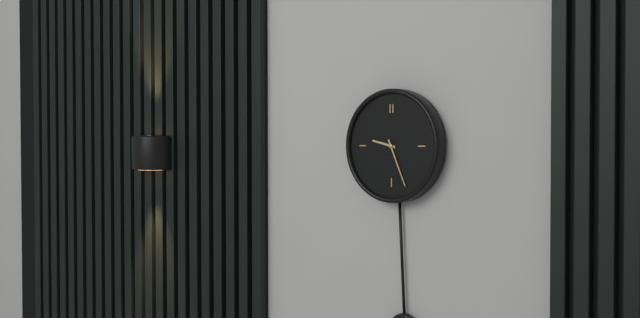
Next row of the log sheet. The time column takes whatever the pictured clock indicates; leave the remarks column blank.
9:26
